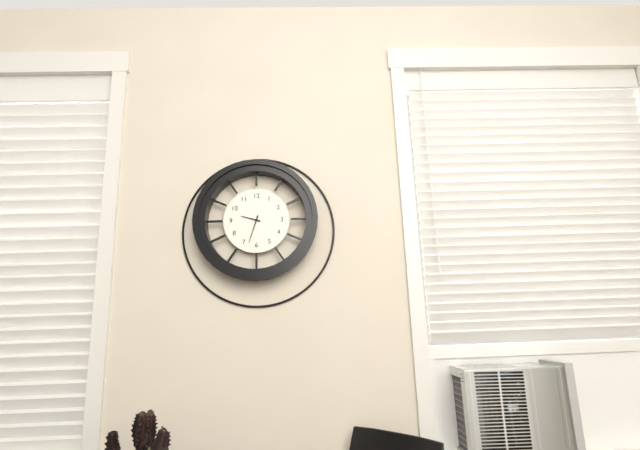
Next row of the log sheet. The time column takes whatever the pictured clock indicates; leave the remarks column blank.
9:33
